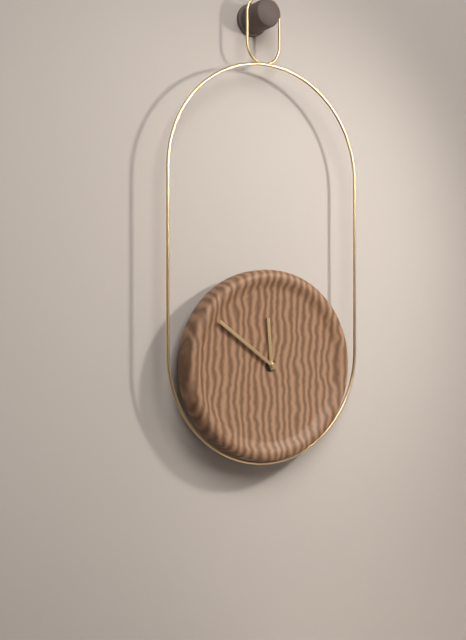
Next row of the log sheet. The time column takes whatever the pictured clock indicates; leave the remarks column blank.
11:51
